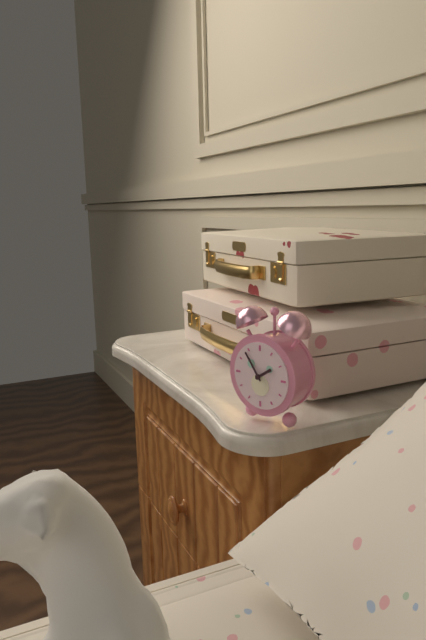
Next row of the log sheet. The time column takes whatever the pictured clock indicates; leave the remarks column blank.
1:54
